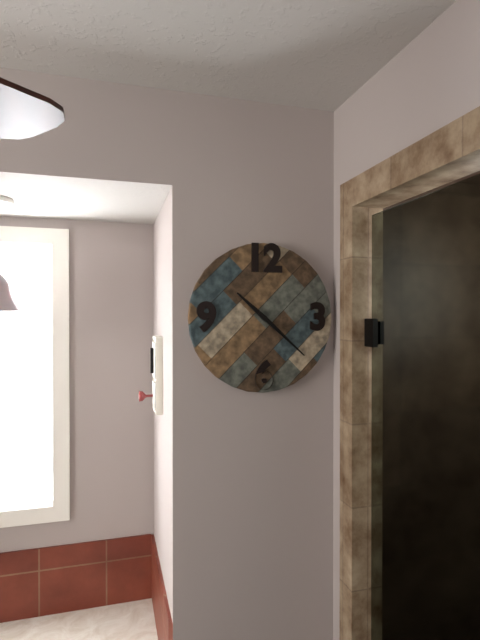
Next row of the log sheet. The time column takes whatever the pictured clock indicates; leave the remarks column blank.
10:22
